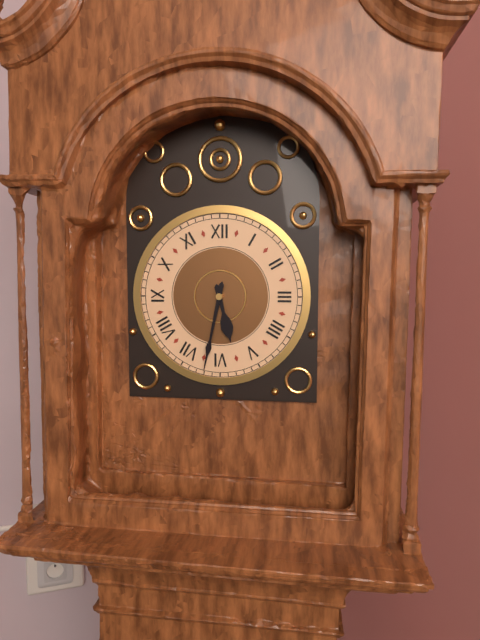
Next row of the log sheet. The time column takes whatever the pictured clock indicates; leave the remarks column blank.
5:32
